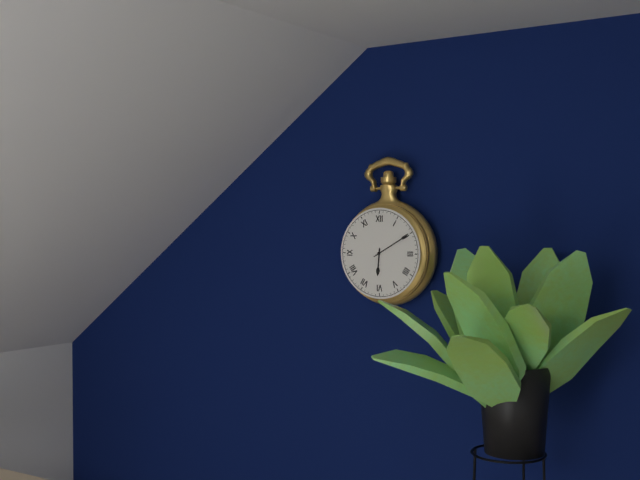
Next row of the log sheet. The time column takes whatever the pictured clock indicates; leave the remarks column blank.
6:10
